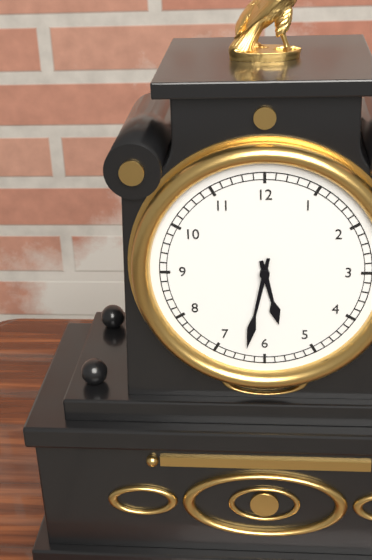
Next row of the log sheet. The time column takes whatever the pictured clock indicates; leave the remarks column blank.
5:32
